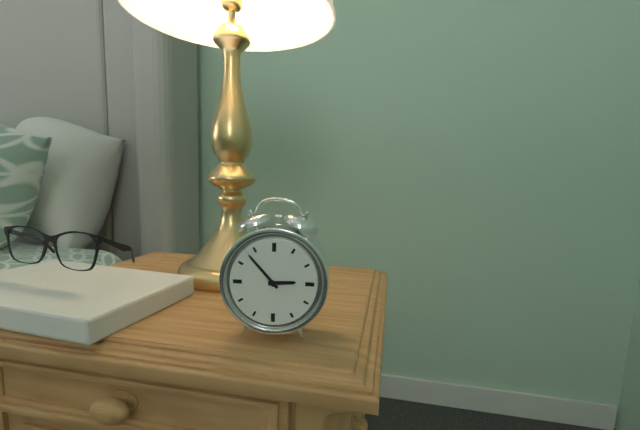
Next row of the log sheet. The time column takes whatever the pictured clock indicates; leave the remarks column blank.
2:53
